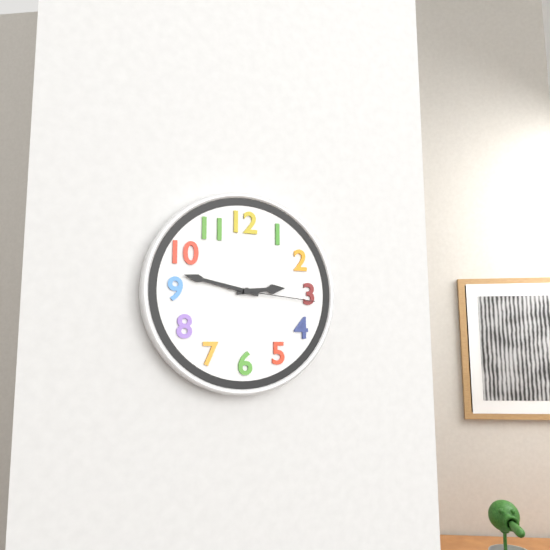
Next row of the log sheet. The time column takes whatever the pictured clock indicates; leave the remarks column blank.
2:47:16
